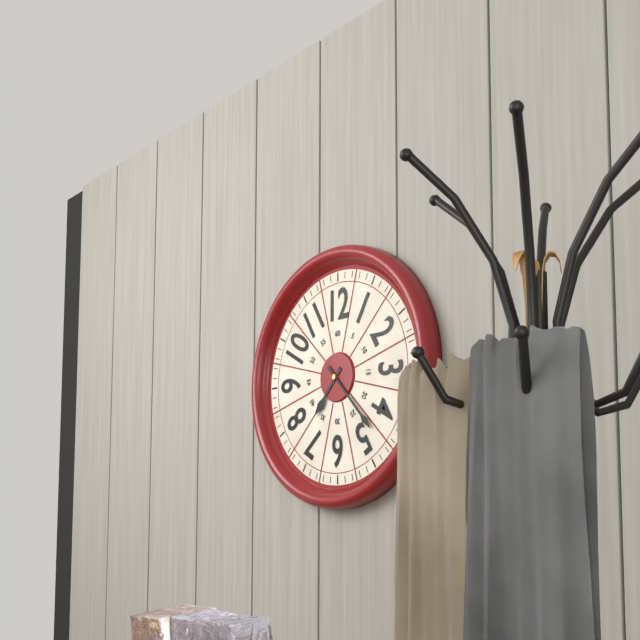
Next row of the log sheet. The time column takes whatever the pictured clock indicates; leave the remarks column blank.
7:23
